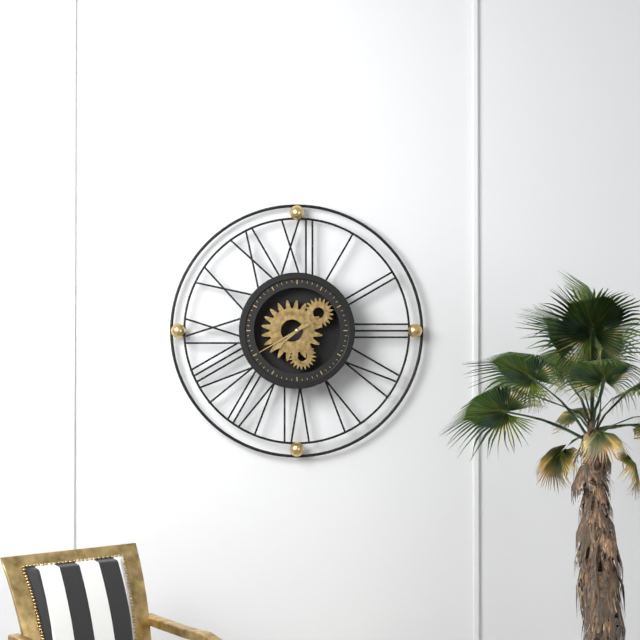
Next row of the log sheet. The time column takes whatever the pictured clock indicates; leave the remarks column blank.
7:40
